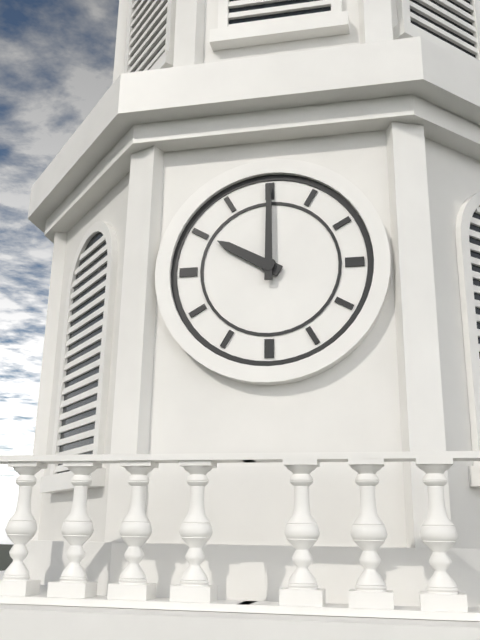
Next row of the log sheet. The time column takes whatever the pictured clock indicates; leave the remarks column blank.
10:00
